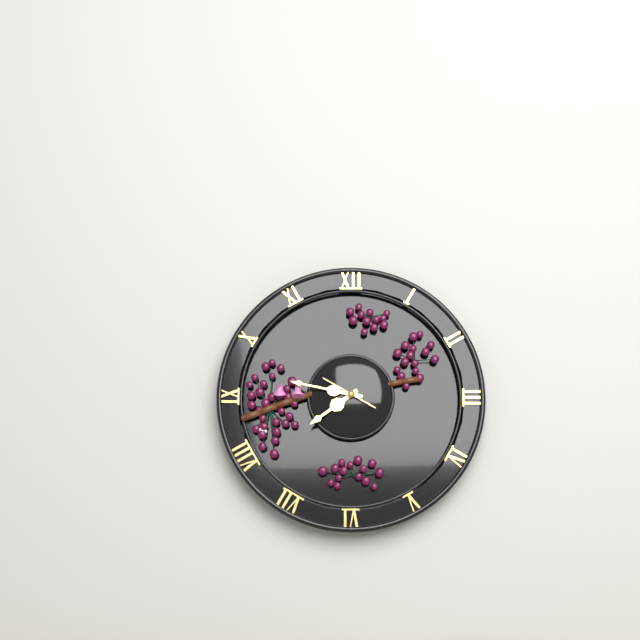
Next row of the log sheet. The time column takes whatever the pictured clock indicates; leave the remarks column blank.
7:47
